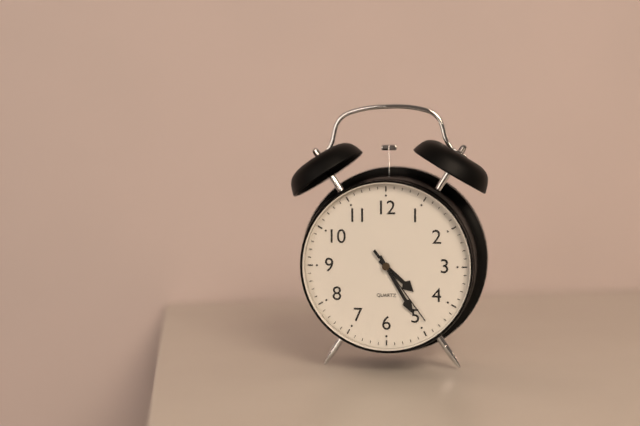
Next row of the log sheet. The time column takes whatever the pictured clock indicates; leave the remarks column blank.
4:25:24
